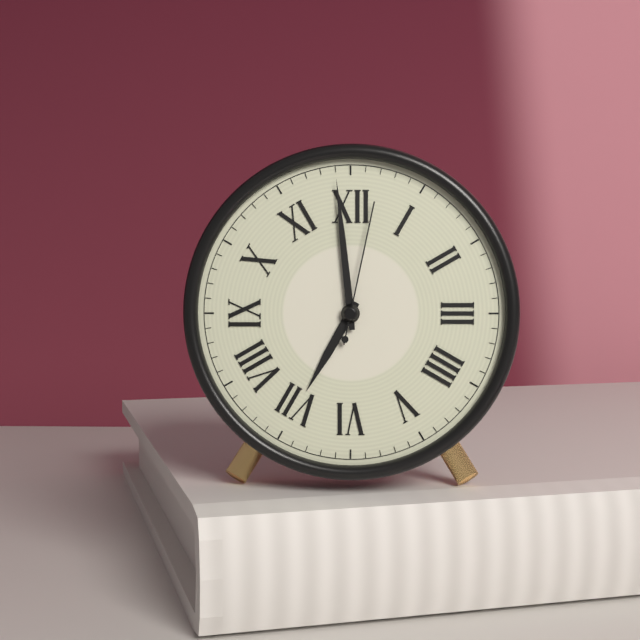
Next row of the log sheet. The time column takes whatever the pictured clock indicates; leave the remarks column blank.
6:59:02
